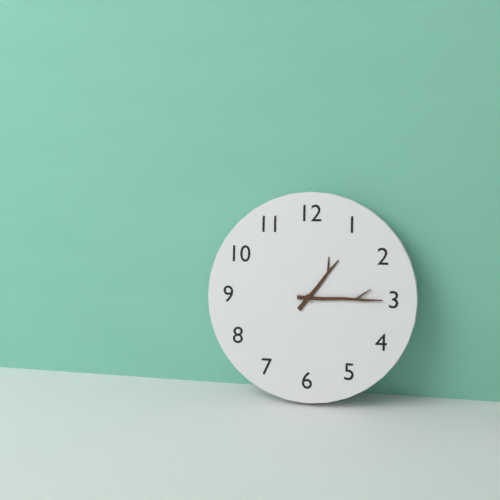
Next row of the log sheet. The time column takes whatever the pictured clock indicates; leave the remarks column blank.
1:15
